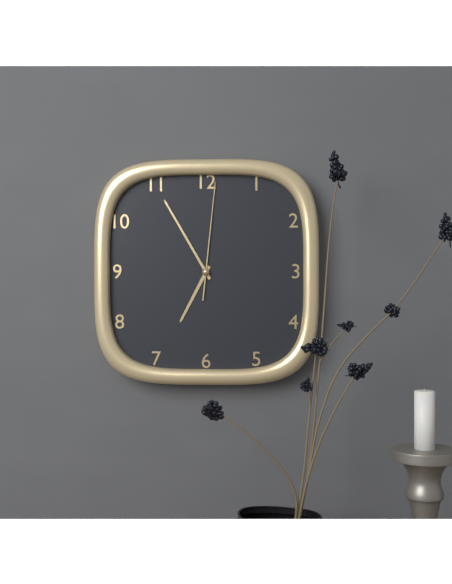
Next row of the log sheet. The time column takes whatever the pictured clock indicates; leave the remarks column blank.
6:55:01
